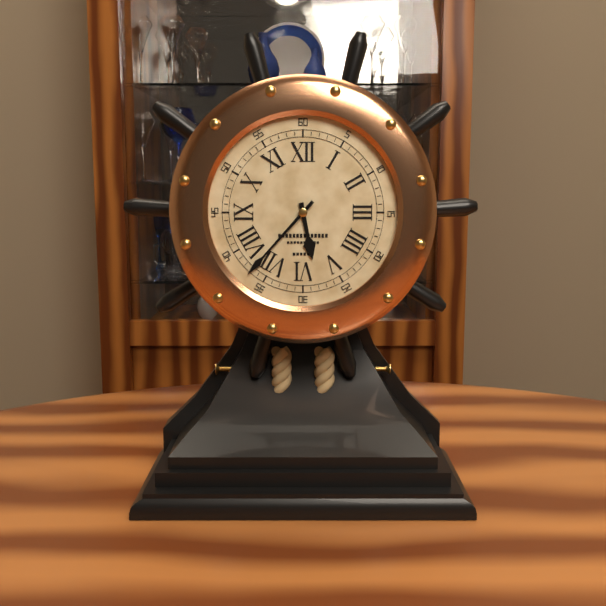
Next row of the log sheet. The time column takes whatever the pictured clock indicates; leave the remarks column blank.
5:37
